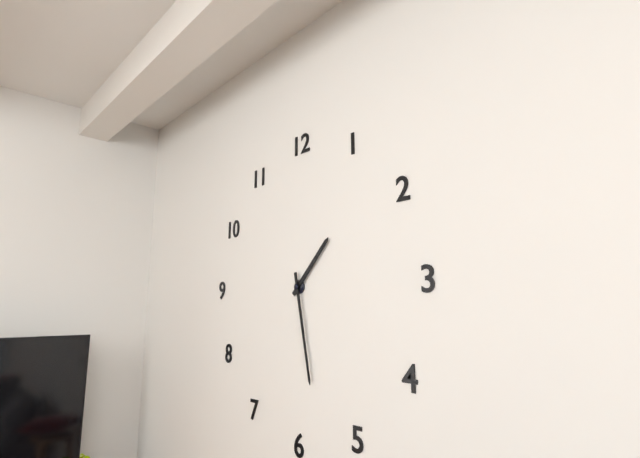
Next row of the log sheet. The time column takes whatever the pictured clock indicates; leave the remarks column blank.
1:28
